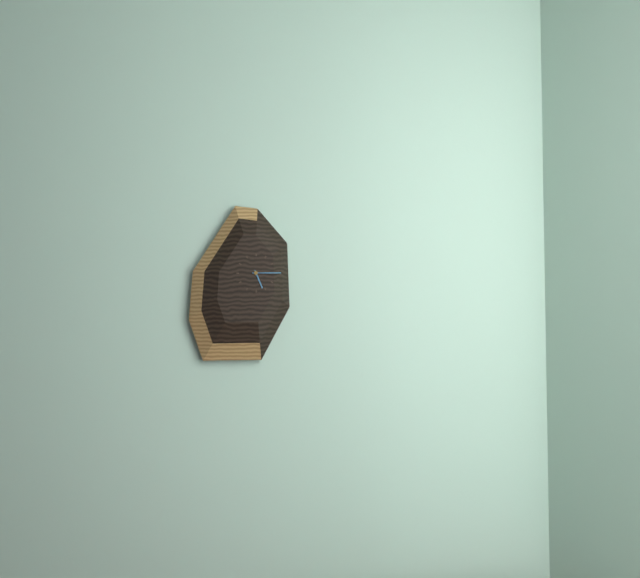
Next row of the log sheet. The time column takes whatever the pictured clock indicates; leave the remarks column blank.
5:15
